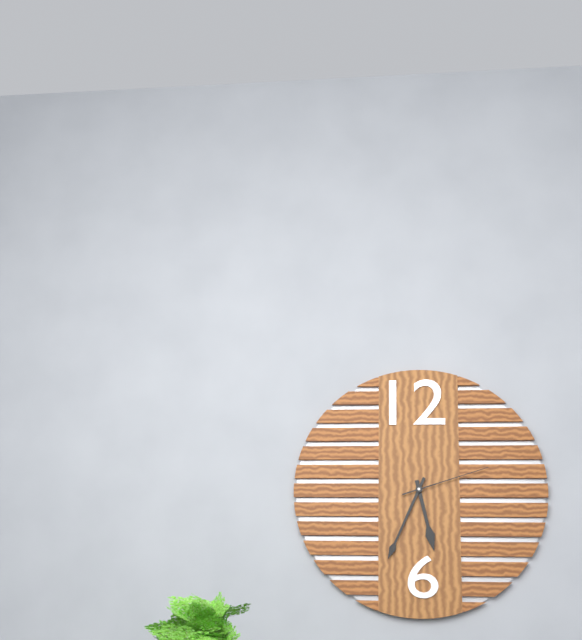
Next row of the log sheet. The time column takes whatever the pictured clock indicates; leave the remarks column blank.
5:34:12
